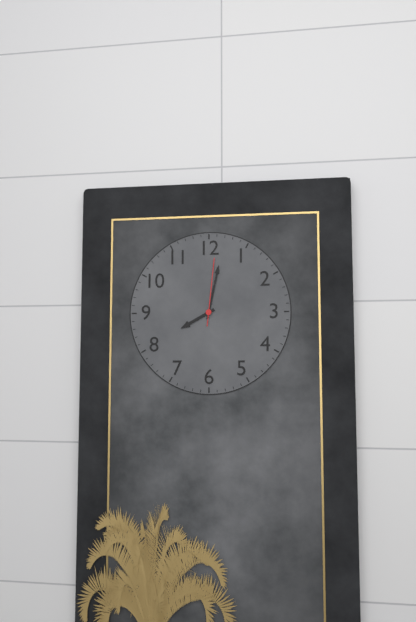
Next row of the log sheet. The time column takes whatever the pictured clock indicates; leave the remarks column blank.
8:02:01
